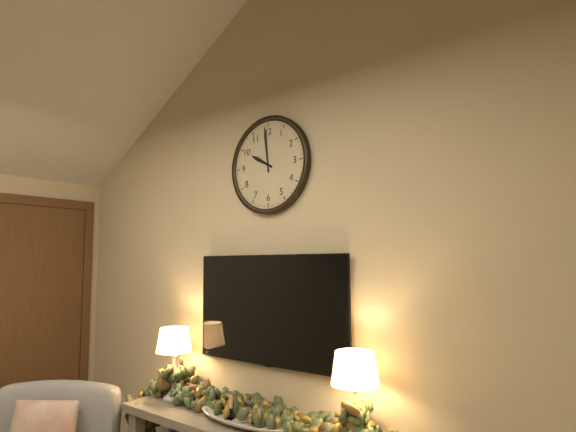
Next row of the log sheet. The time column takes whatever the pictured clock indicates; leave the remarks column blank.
9:59
